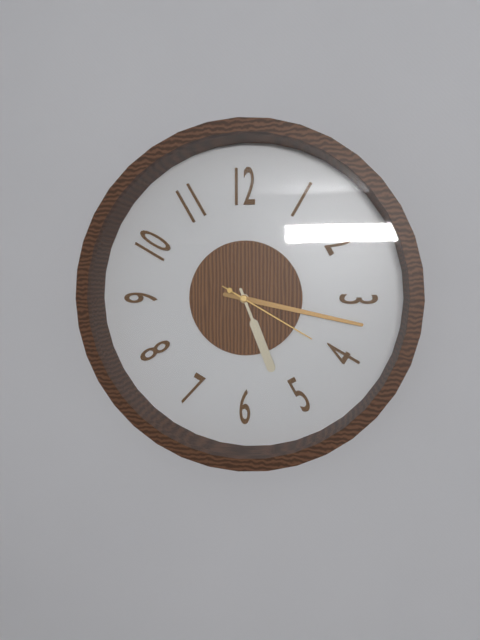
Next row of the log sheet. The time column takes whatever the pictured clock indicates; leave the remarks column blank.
5:17:20
